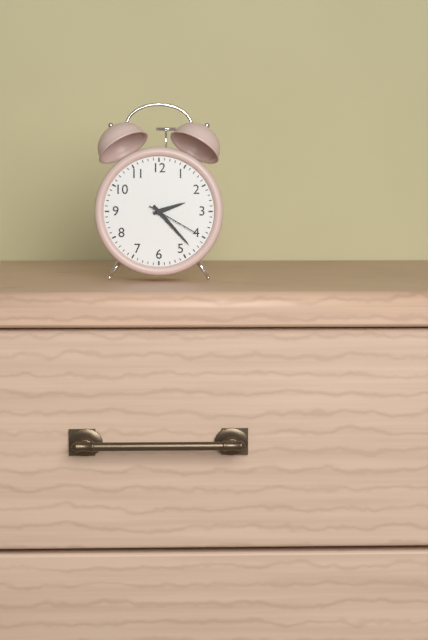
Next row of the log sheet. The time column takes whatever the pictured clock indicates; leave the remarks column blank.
2:23:20
